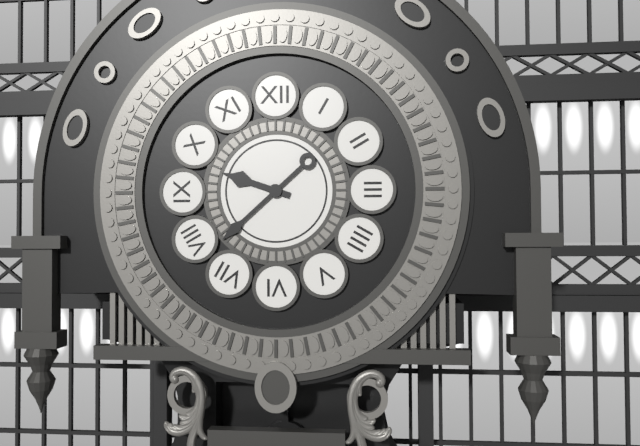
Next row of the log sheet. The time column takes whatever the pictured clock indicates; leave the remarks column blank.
9:38
